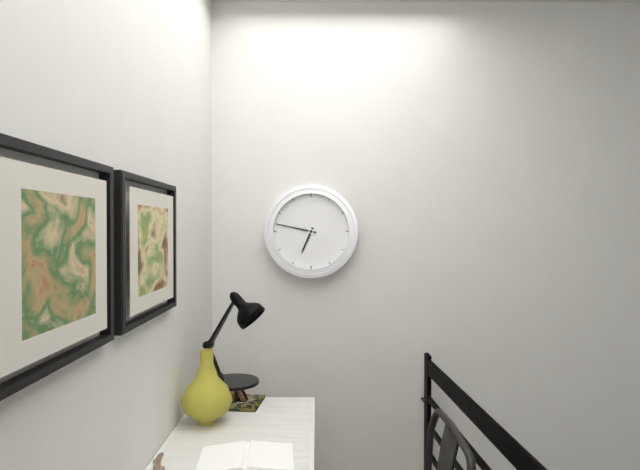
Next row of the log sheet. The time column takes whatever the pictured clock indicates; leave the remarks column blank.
6:47
